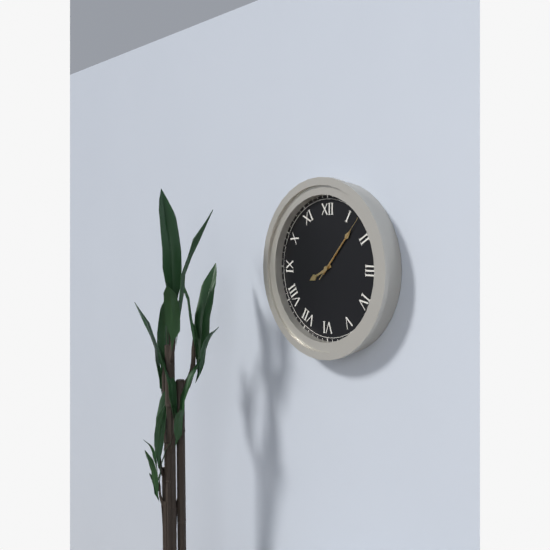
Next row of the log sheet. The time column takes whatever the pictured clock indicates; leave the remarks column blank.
8:07:07
